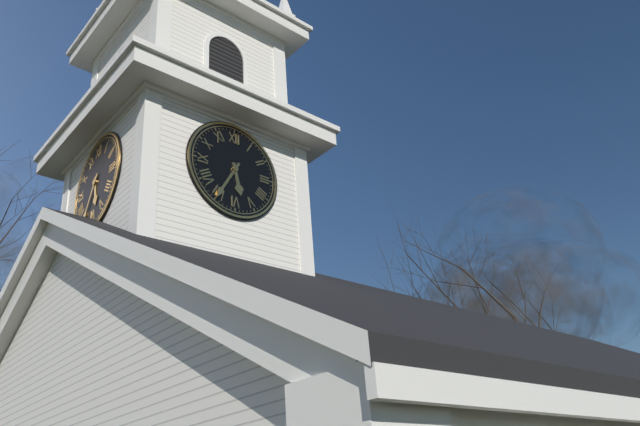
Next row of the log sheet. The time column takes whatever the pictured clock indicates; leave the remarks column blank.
5:35
